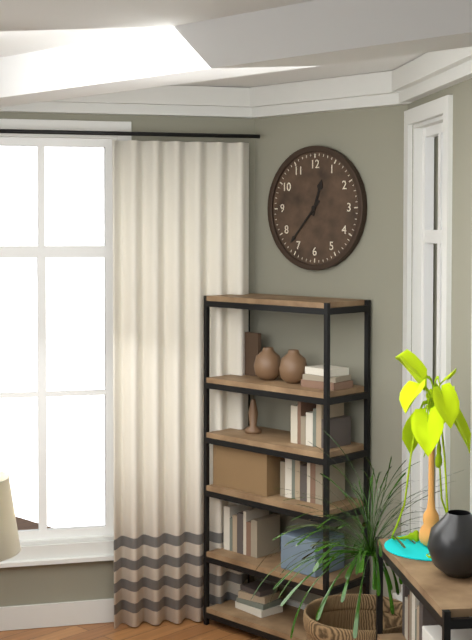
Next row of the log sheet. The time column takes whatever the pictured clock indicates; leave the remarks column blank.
12:37
